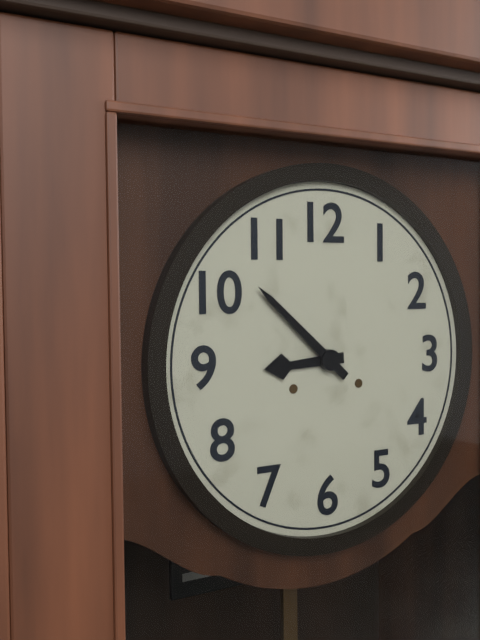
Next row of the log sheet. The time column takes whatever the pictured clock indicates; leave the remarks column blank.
8:52
